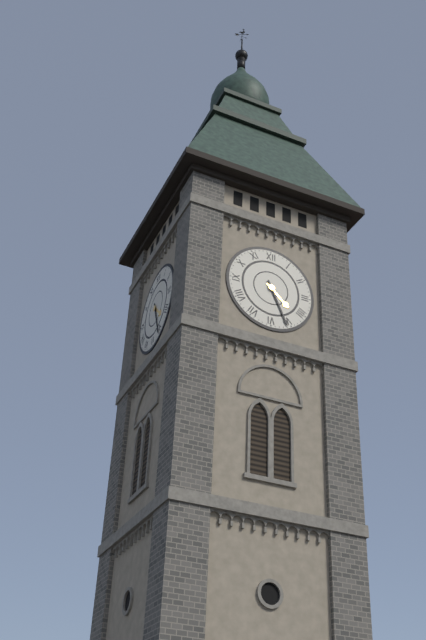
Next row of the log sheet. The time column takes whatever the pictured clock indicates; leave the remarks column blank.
4:26
